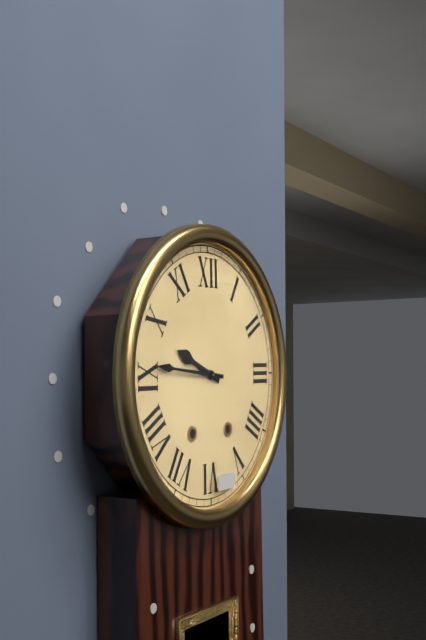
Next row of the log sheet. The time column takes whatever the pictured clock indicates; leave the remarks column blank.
9:46
